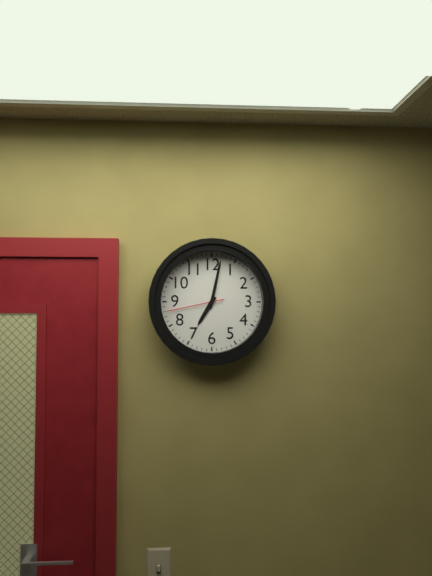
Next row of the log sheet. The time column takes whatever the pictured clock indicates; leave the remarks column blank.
7:02:43
